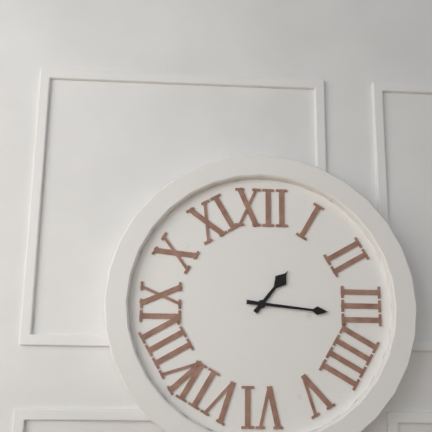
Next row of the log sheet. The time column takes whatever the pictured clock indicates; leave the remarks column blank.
1:16
